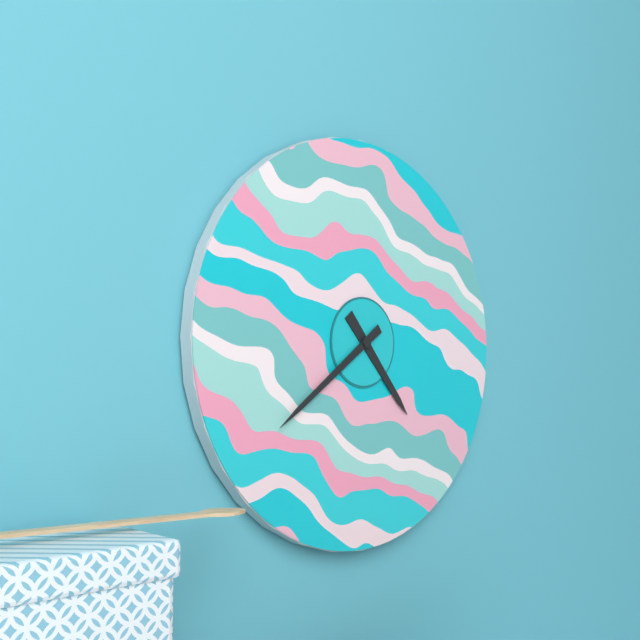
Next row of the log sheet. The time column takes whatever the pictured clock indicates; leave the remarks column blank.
4:39
